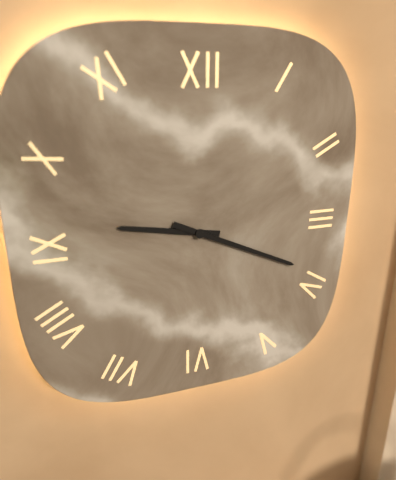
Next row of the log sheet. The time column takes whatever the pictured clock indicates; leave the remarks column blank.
9:19
